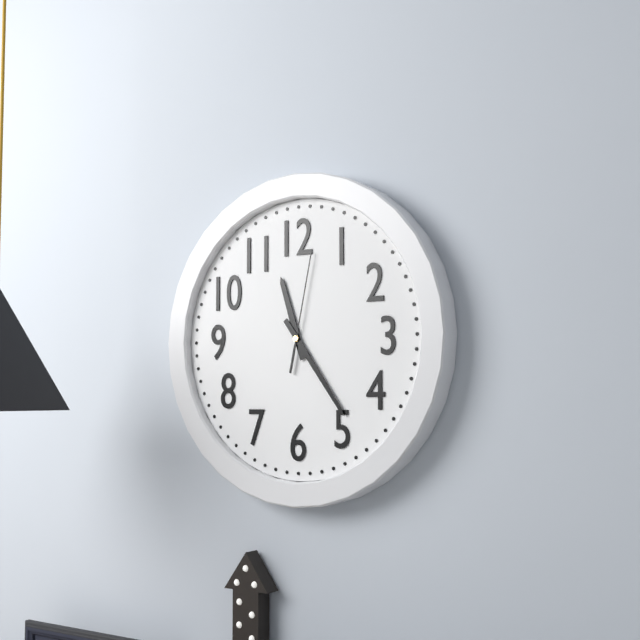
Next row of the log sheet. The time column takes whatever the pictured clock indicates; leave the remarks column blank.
11:24:02
